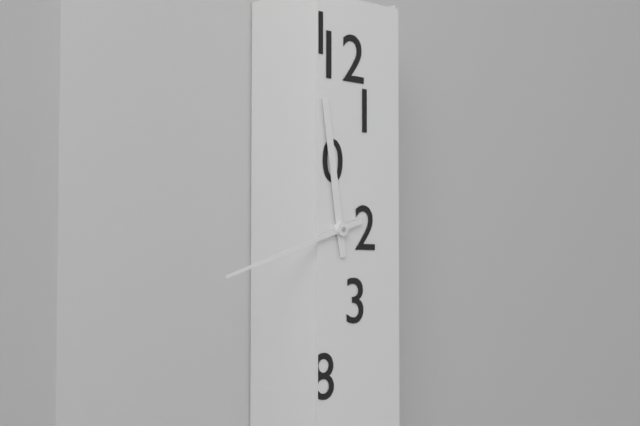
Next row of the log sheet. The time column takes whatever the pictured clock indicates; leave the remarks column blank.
11:42
